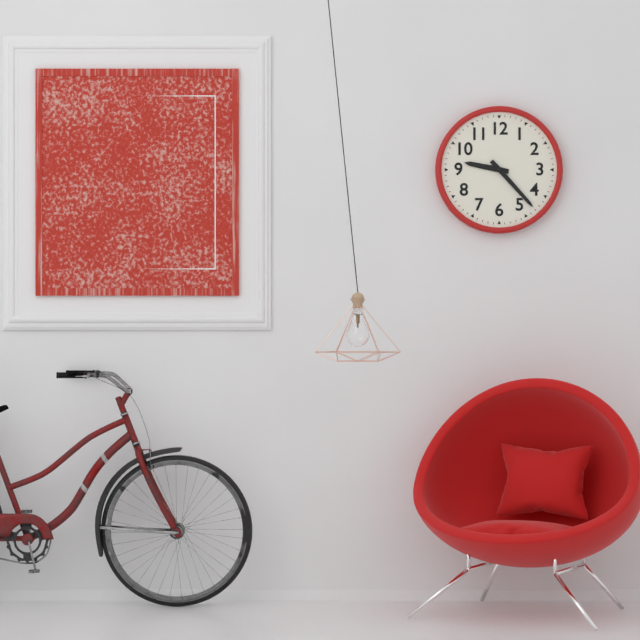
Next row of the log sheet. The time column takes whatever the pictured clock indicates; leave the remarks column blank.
9:23
